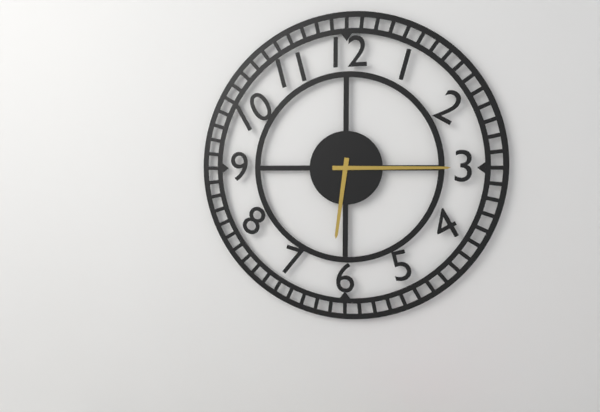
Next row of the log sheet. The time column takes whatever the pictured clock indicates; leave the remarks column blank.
6:15
